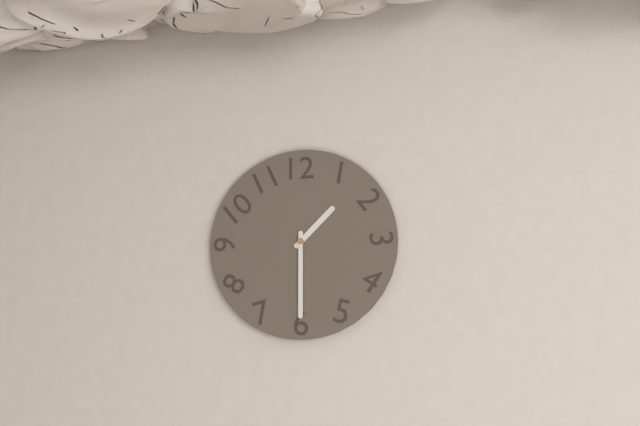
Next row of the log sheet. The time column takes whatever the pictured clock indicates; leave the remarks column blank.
1:30
